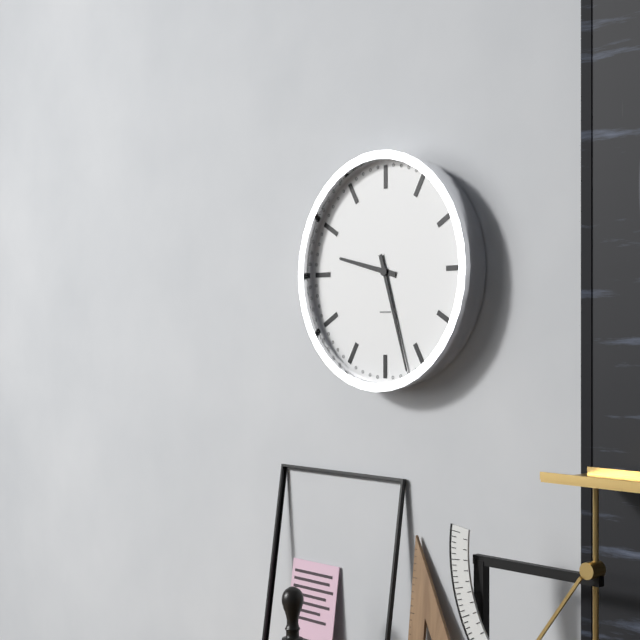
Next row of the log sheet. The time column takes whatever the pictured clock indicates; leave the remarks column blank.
9:27
